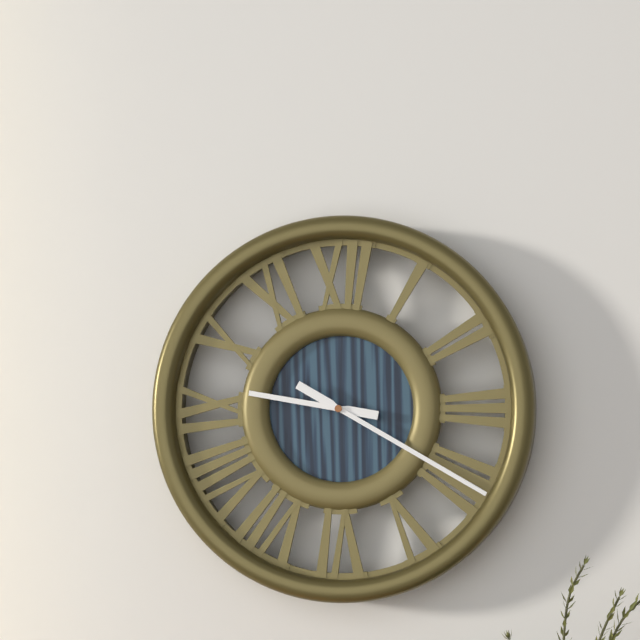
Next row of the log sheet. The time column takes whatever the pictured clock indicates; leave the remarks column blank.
9:20
